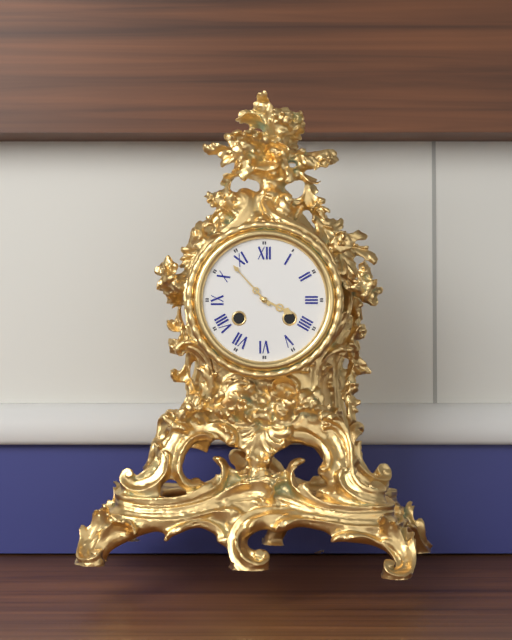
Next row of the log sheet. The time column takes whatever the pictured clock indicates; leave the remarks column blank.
3:53
